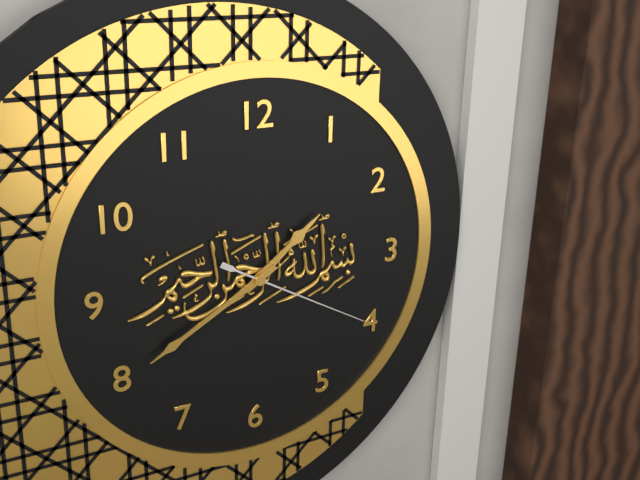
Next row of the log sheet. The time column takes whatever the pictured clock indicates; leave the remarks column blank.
1:40:20
